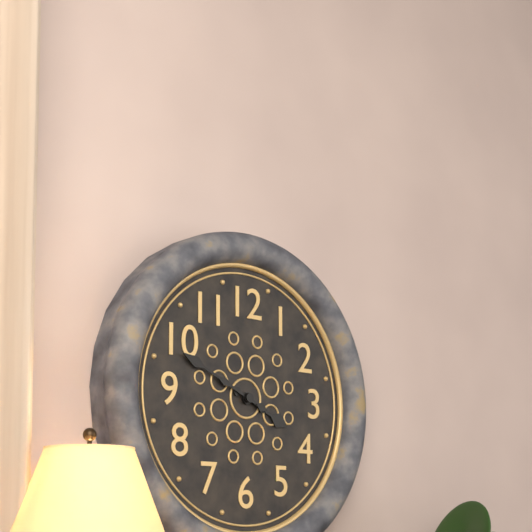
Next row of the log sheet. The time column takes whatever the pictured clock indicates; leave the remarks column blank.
3:49
